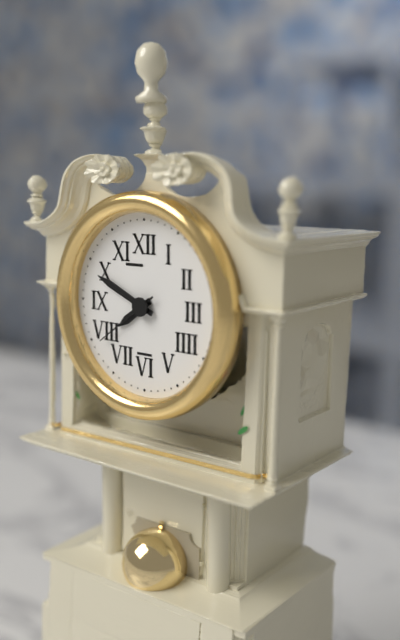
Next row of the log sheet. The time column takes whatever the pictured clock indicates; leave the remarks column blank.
7:49:39
